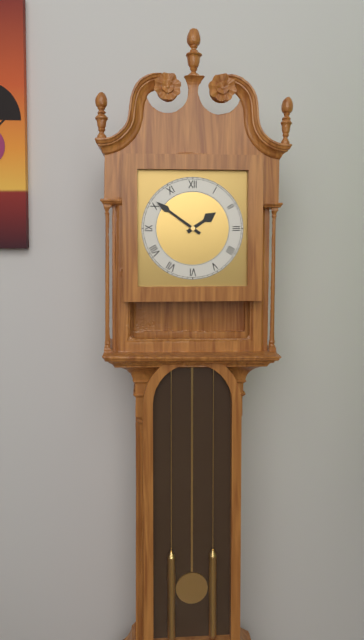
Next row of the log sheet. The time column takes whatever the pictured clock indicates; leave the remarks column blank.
1:51
